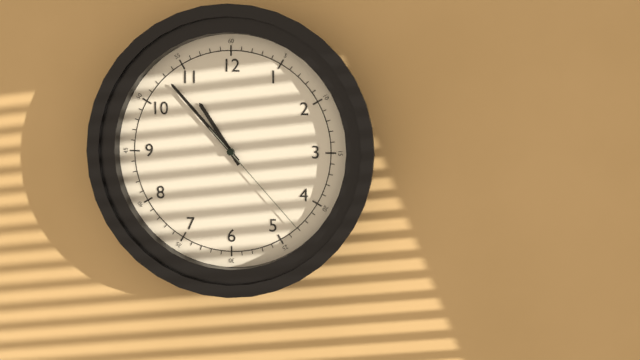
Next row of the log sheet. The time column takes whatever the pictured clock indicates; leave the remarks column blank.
10:53:23
